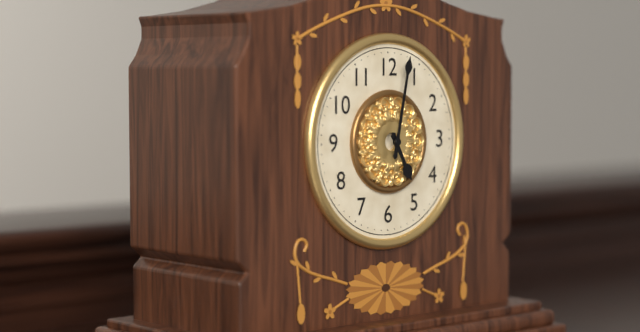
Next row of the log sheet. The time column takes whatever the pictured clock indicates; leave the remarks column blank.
5:02
